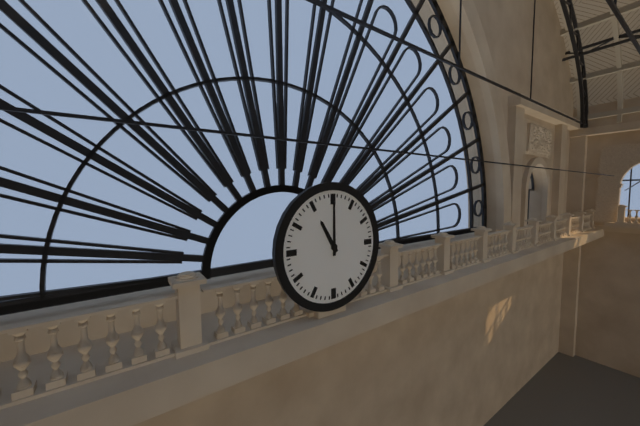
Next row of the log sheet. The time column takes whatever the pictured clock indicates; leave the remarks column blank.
11:00
